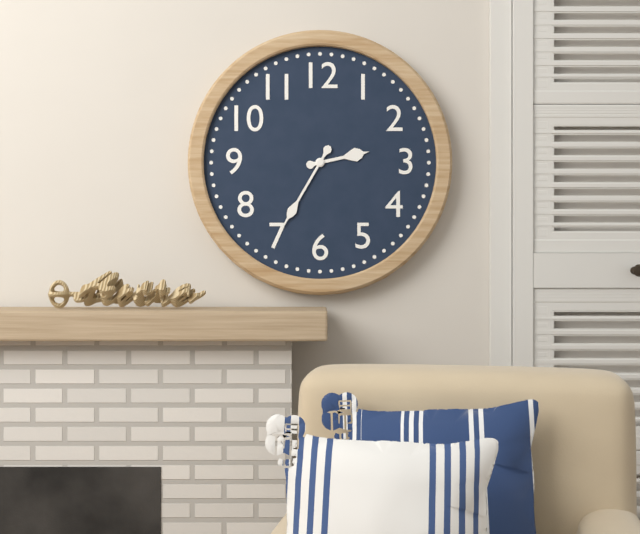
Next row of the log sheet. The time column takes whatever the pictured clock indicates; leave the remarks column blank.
2:35
